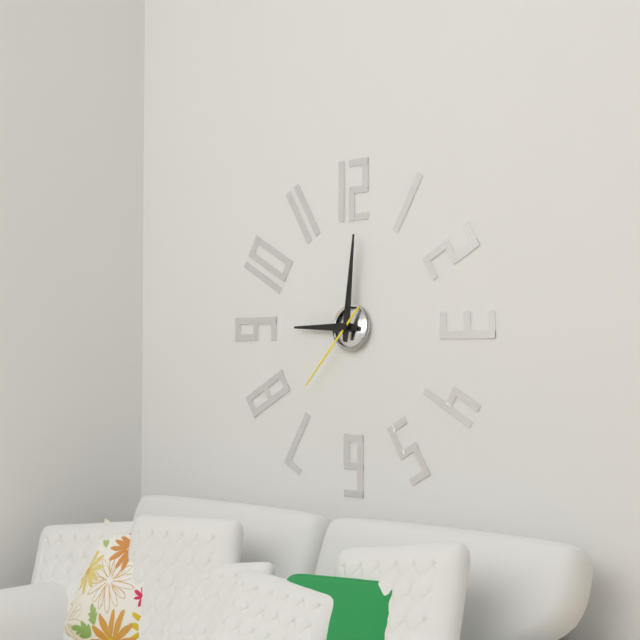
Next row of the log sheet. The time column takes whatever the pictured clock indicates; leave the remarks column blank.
9:01:37
